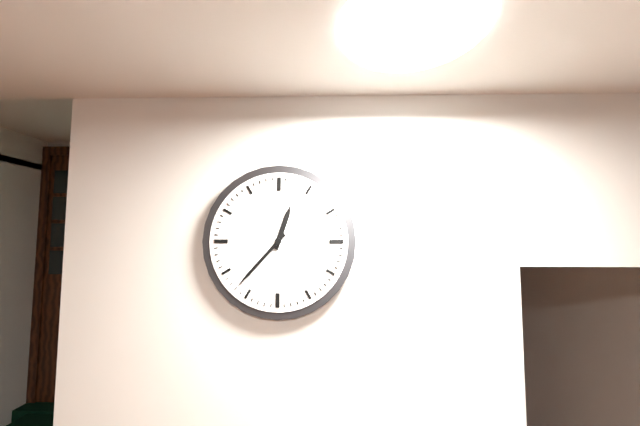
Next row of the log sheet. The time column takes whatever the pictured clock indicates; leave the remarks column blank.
12:37
